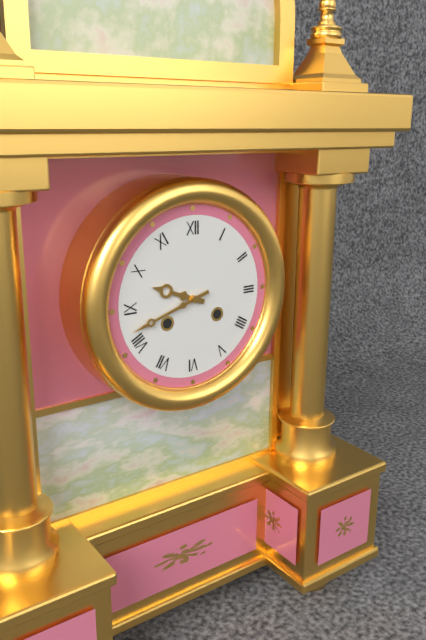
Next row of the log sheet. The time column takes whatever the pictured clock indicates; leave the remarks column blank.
9:42
